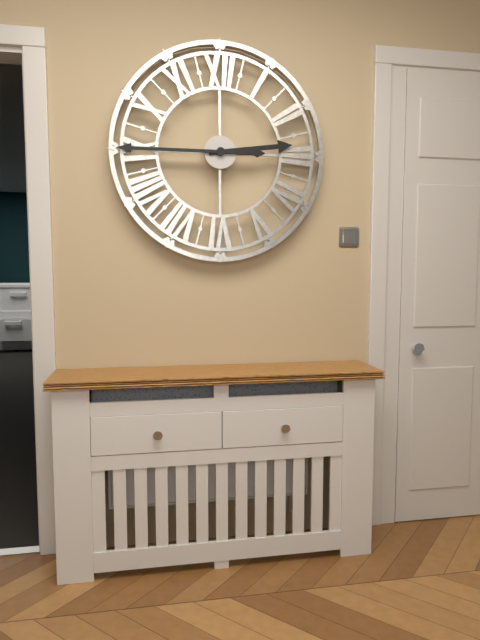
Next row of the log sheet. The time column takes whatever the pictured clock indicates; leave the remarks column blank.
2:45
